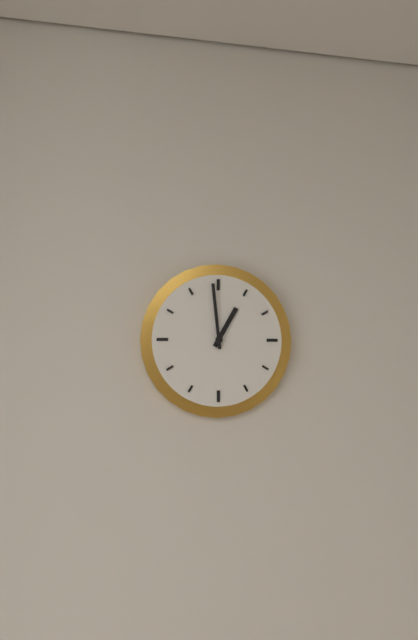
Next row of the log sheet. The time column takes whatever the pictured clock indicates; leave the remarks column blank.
12:59
